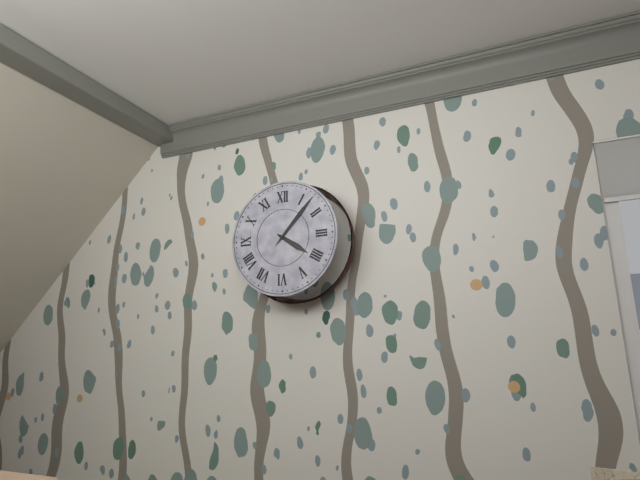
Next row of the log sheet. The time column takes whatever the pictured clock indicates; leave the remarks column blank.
4:07
